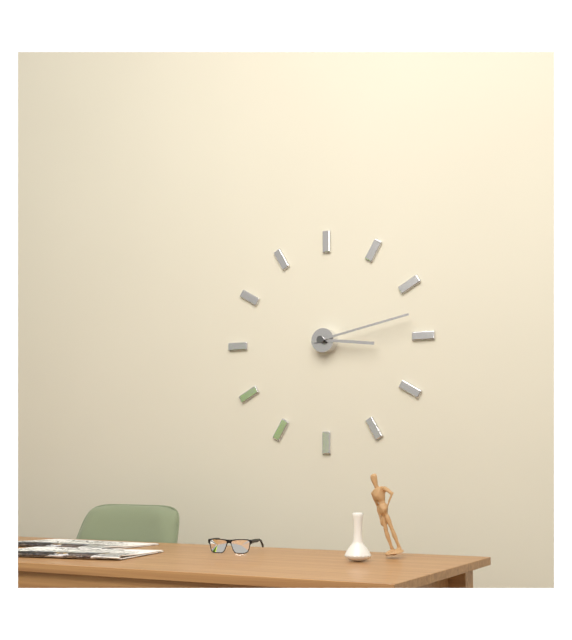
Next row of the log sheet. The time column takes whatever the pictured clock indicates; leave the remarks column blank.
3:13
